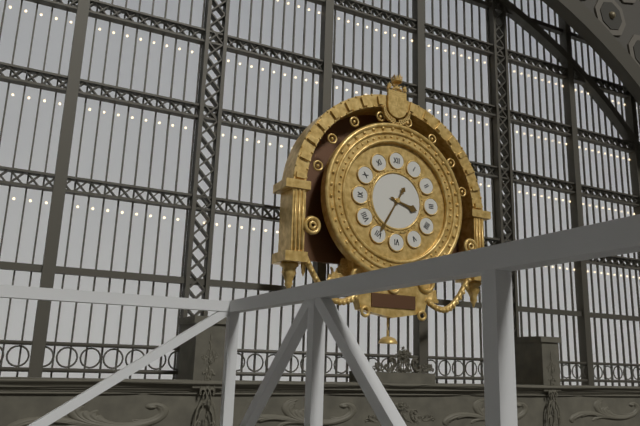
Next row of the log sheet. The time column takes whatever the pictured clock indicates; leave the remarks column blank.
3:35
